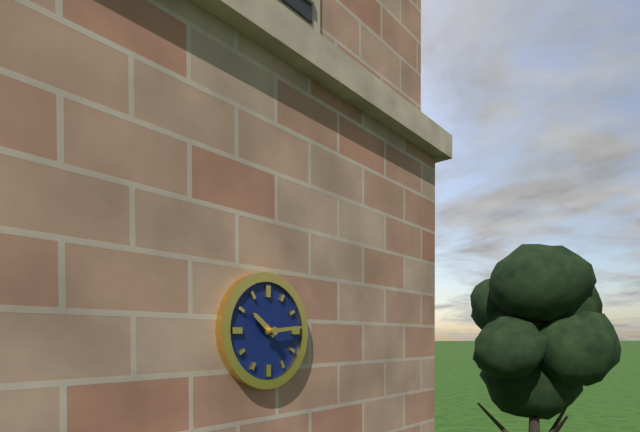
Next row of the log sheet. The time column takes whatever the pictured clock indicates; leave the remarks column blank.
10:14
